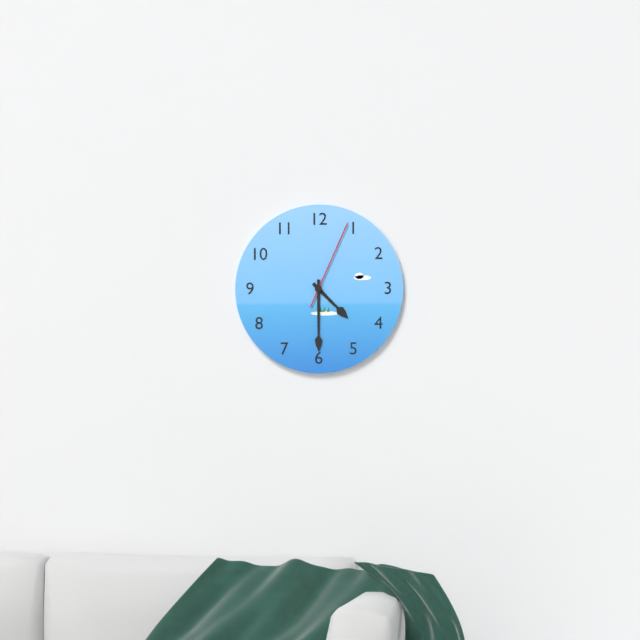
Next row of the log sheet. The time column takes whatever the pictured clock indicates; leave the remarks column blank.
4:30:04
